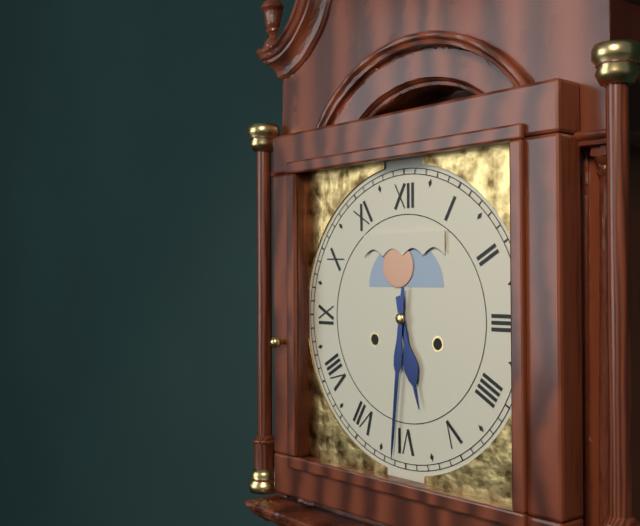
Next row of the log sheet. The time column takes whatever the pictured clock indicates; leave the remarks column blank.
5:31
